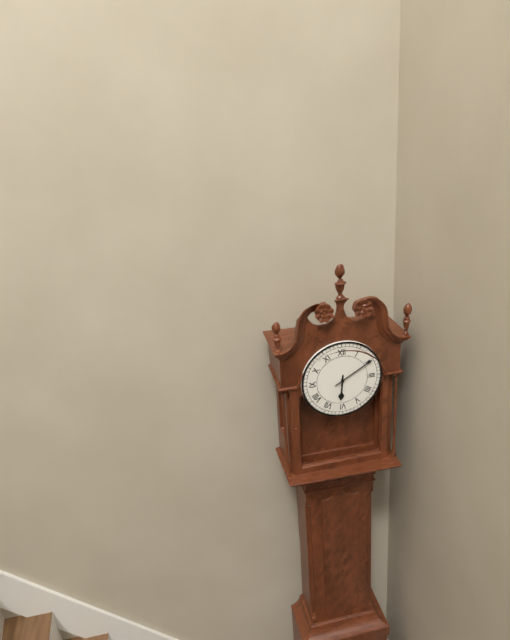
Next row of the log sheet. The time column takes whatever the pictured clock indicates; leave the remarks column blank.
6:10
